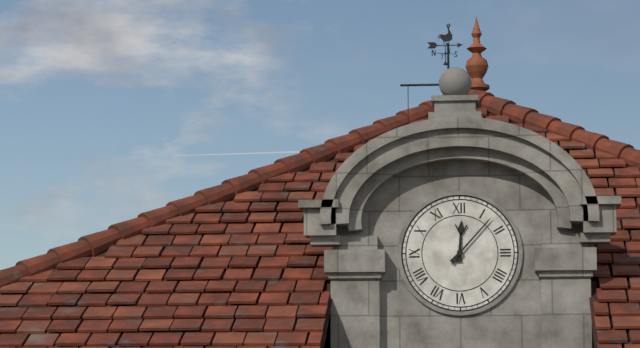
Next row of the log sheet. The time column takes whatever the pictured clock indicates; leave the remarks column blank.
12:07
